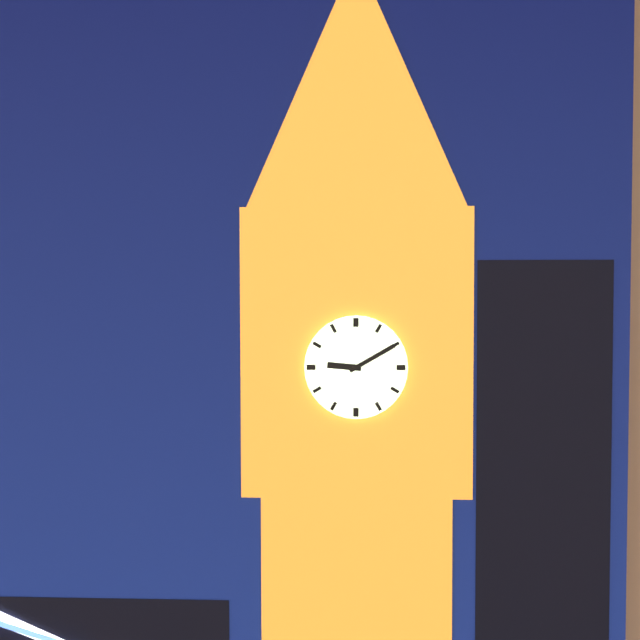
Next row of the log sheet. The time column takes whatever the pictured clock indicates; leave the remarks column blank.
9:10
